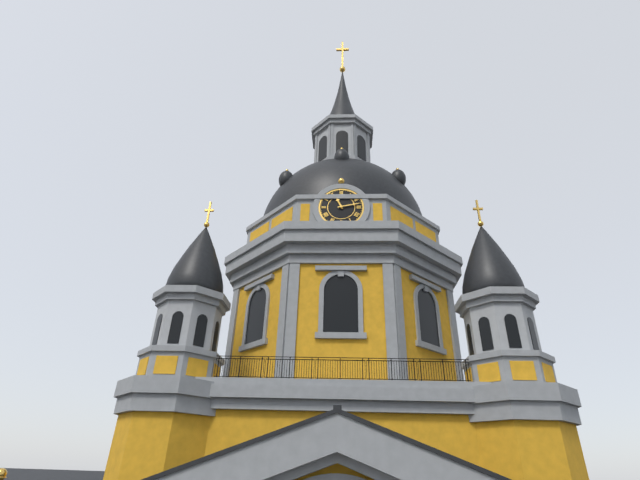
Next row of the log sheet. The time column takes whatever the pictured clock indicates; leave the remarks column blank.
11:13
